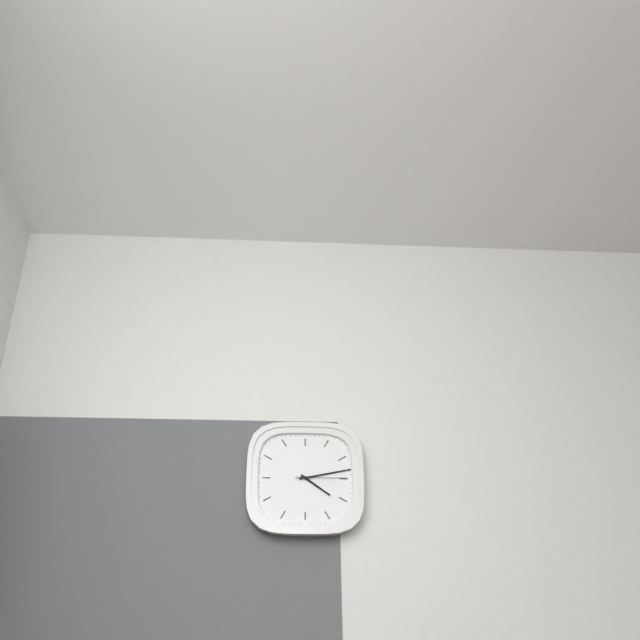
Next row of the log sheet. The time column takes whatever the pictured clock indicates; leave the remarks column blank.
4:13:15
